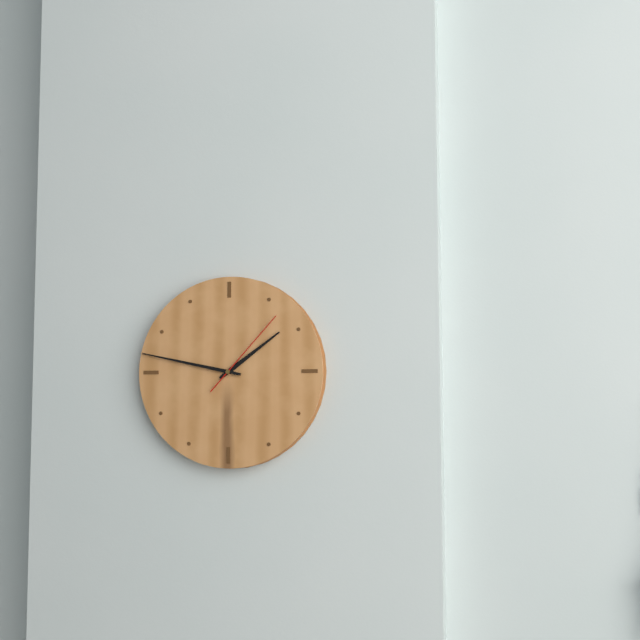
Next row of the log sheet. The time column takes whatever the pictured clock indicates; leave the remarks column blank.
1:47:07
